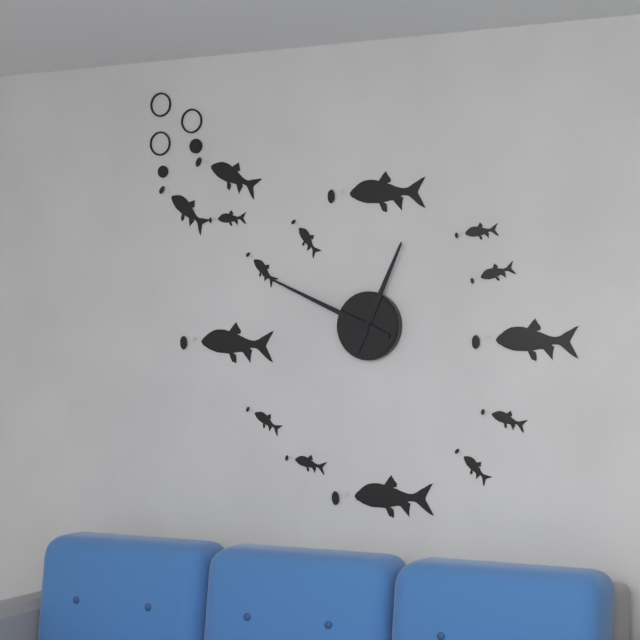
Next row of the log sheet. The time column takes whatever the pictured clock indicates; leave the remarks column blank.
12:49
